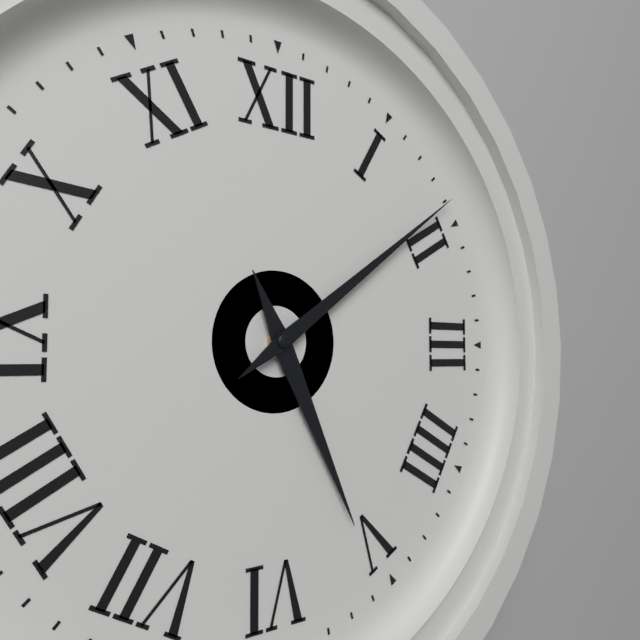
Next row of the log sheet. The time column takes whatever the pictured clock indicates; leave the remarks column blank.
5:09
